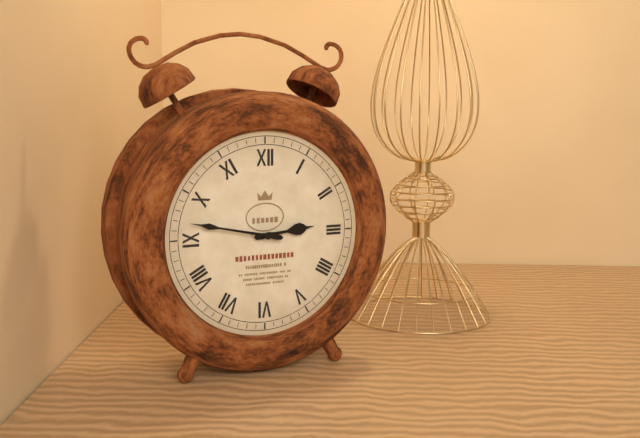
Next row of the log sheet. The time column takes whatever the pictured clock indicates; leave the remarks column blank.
2:47
